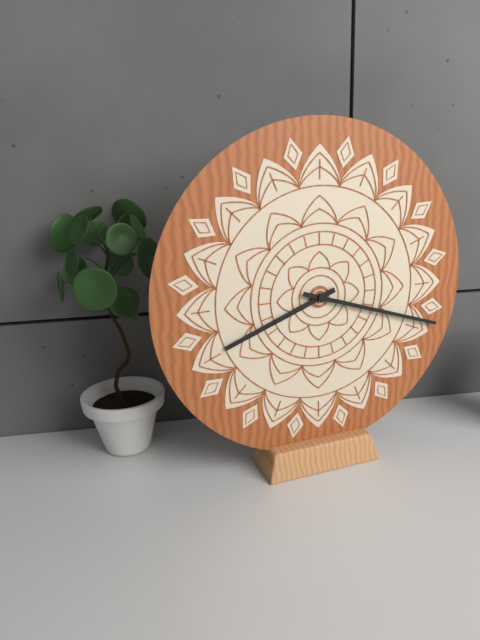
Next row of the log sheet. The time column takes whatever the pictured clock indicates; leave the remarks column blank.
8:18
